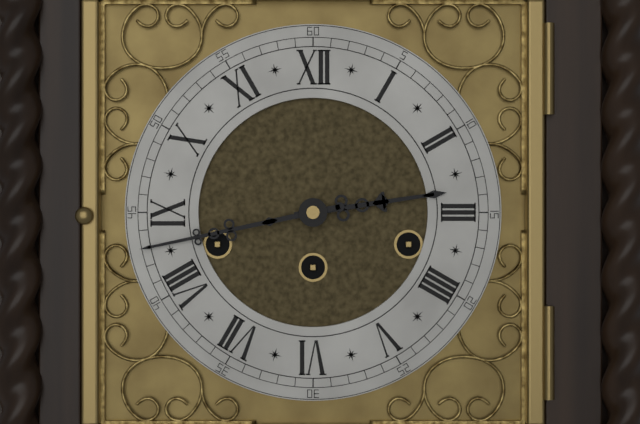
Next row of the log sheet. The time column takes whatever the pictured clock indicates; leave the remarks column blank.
2:43
